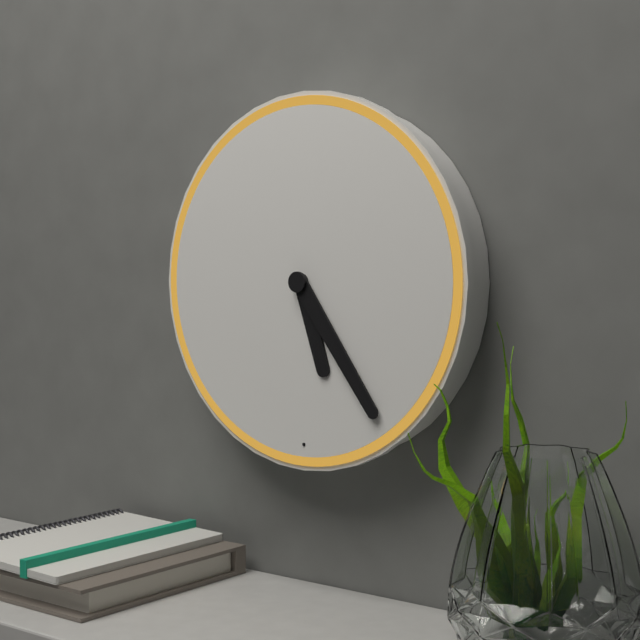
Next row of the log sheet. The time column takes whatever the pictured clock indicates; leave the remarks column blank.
5:24
